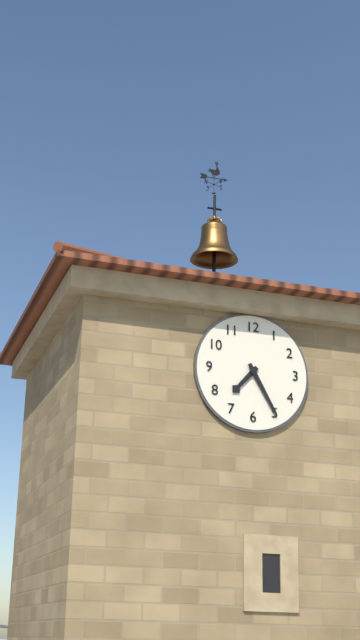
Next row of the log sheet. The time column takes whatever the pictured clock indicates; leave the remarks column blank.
7:25
